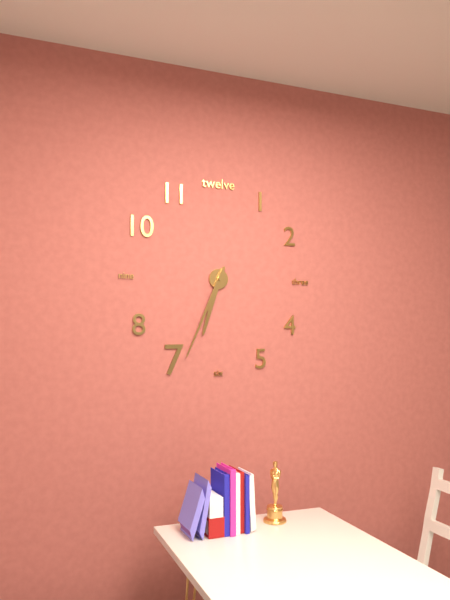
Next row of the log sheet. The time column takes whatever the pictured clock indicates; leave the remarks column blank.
6:34
